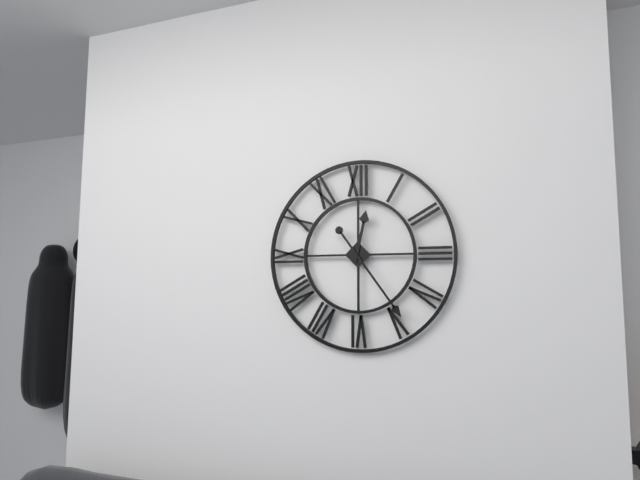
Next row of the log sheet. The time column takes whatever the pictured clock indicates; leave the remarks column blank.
12:24
